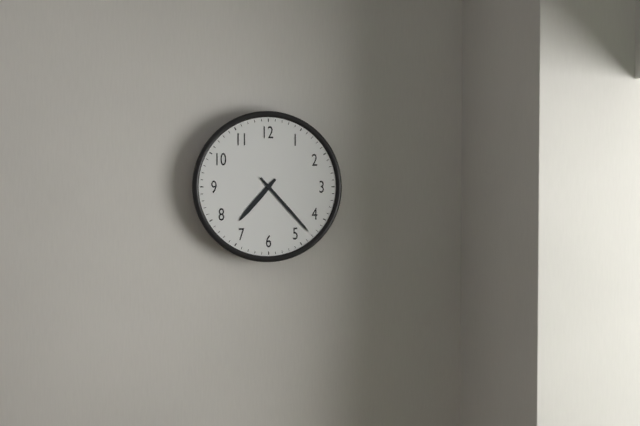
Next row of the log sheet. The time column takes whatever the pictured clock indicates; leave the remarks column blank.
7:23
